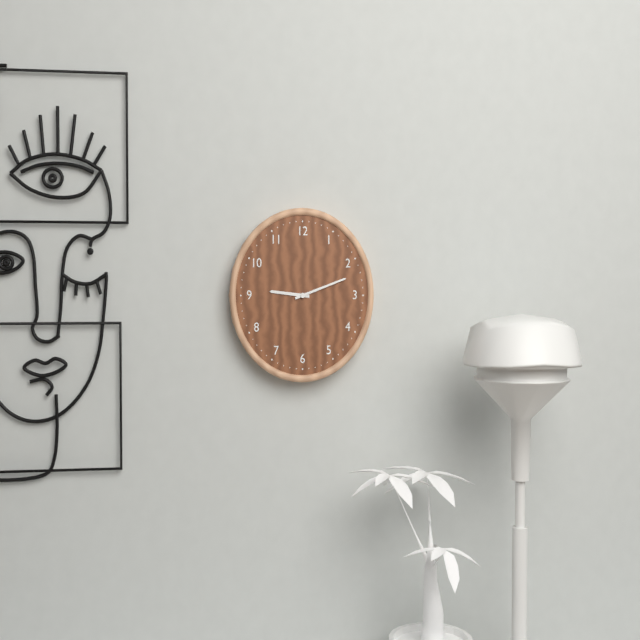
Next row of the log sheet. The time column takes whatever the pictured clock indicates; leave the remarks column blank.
9:12
